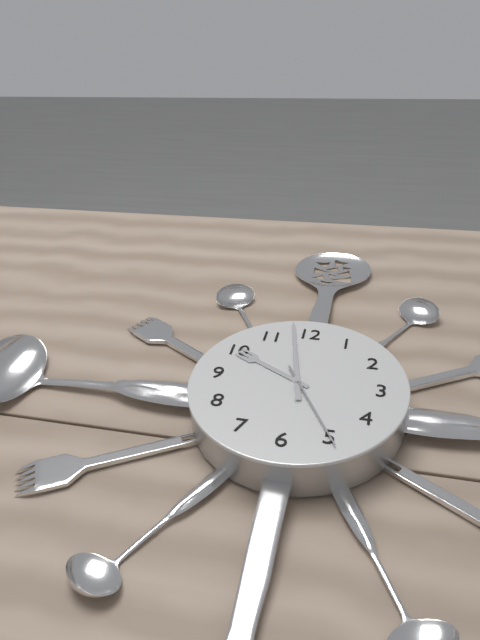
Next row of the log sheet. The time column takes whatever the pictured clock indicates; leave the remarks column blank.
9:58:25
